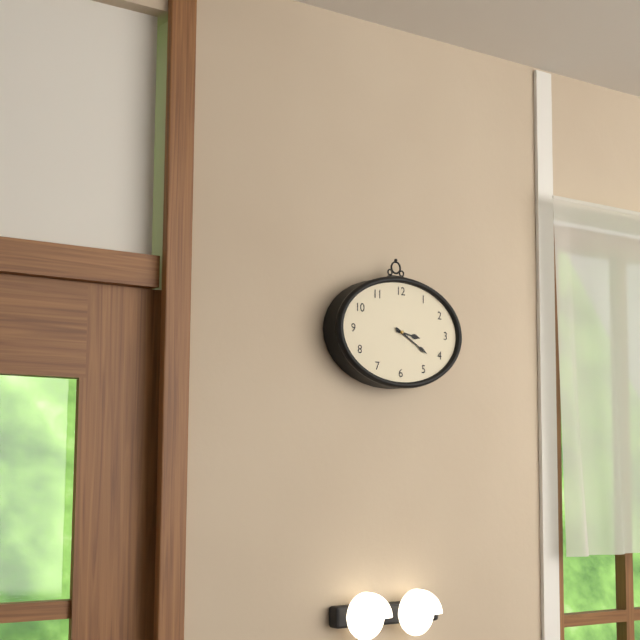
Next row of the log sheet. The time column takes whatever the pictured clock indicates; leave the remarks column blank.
3:20
